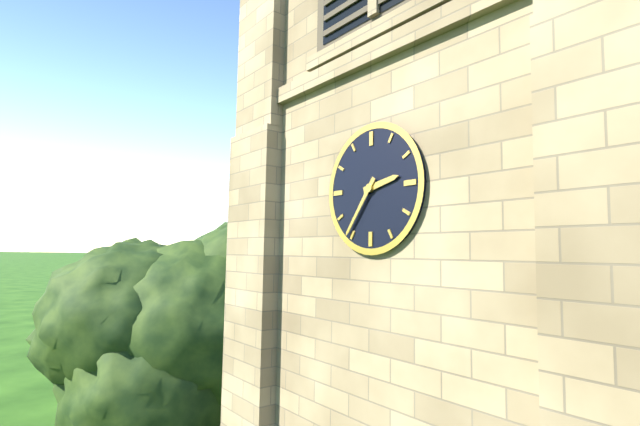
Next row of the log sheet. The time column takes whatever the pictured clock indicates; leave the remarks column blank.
2:36
